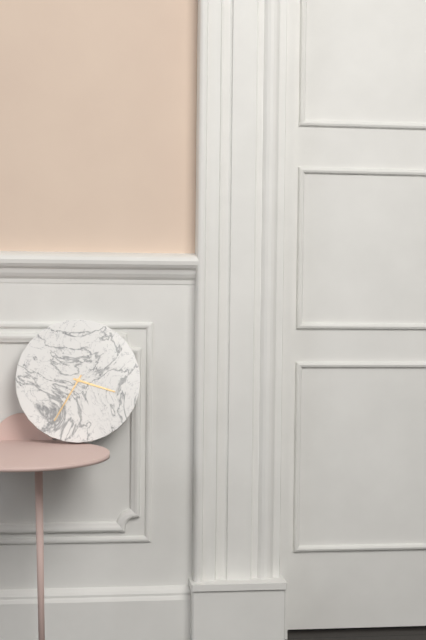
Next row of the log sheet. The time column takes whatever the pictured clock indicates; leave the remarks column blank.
3:35
